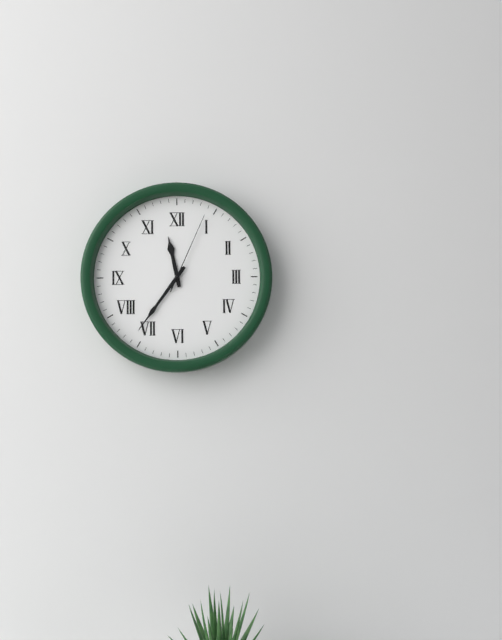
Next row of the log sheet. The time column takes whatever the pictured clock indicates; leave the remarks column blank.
11:36:04
